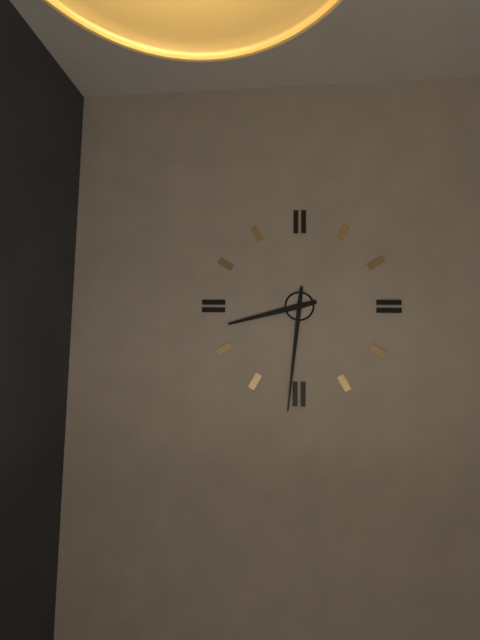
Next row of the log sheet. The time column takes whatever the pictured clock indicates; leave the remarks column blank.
8:31
